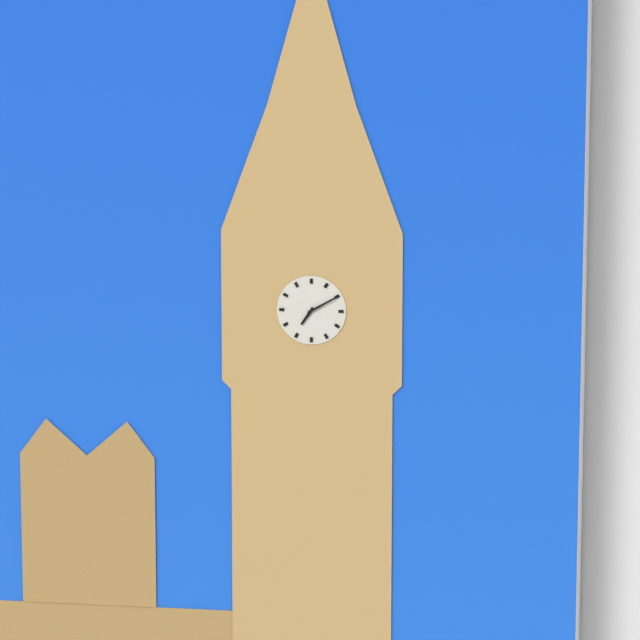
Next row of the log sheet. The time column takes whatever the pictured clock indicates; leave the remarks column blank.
7:10
